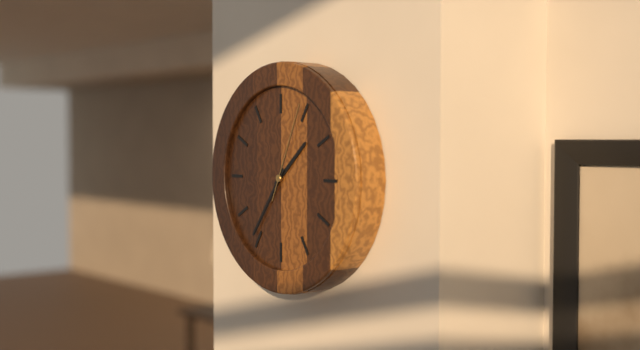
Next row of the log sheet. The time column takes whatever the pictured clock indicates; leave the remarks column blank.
1:36:04
